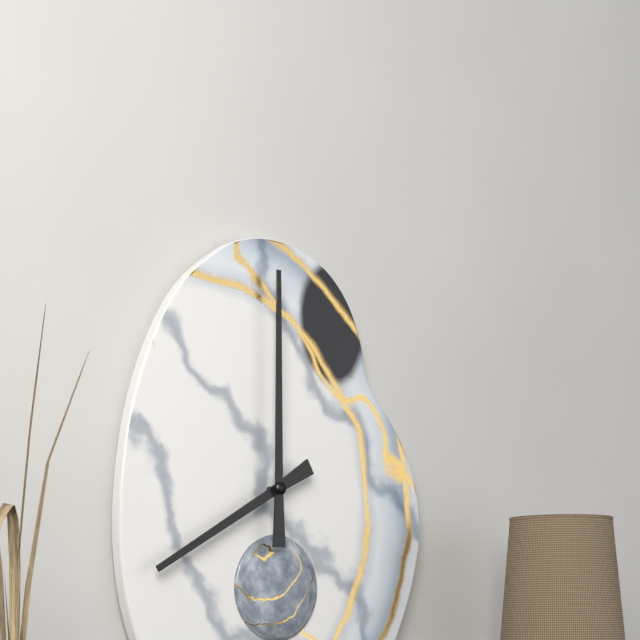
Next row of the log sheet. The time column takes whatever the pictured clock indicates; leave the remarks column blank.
8:00
